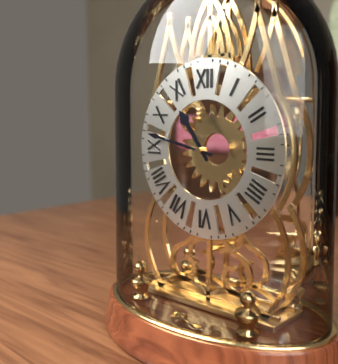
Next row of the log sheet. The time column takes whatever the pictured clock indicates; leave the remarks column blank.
10:47
